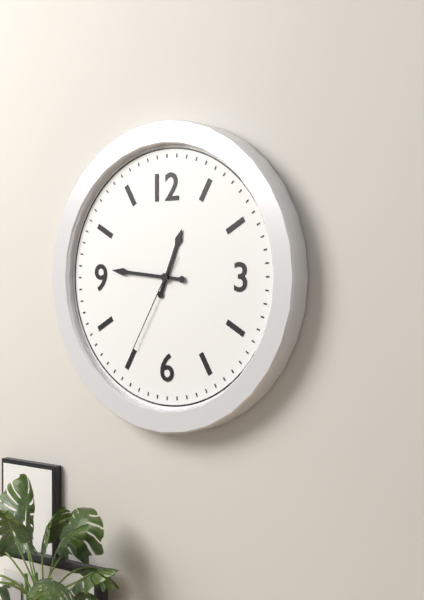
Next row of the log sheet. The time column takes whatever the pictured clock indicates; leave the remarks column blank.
12:46:35
